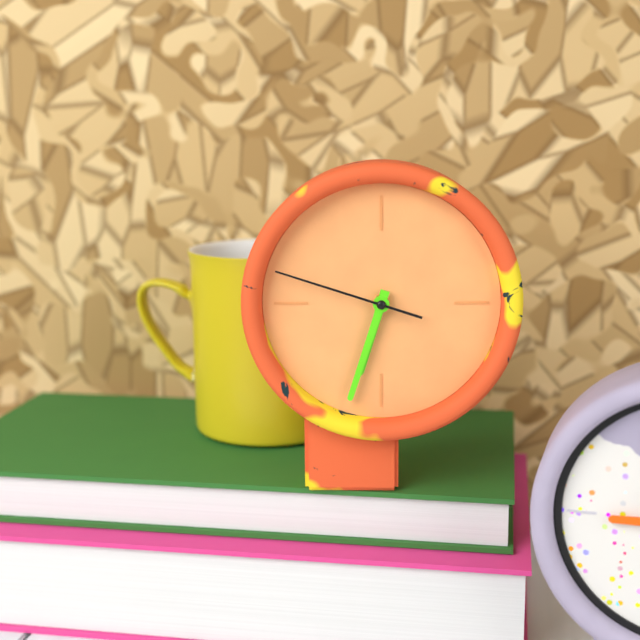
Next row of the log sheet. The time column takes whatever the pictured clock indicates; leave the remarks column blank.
6:33:48
